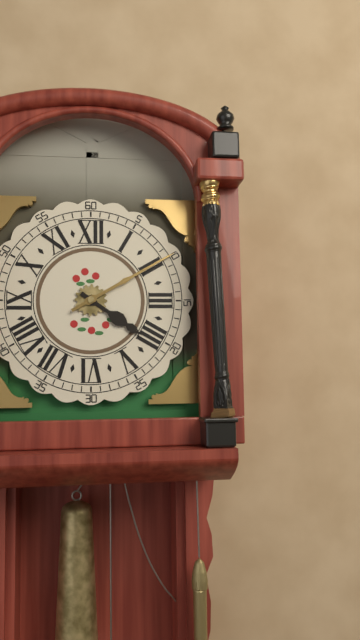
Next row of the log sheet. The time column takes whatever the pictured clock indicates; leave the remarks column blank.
4:10
